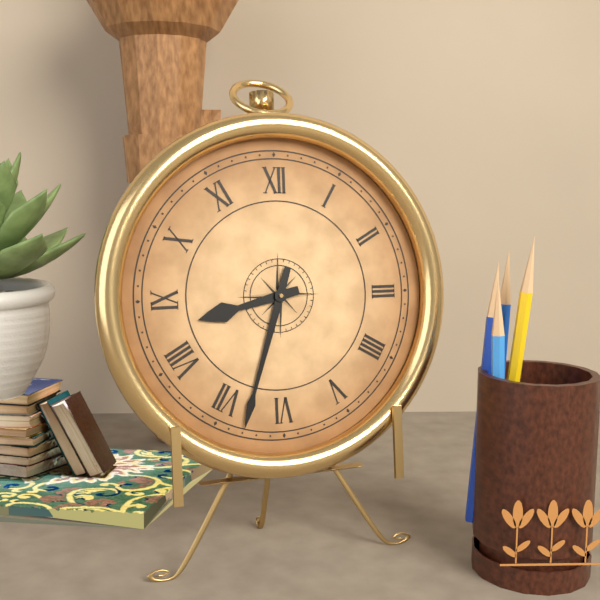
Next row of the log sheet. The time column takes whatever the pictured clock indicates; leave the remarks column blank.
8:33
